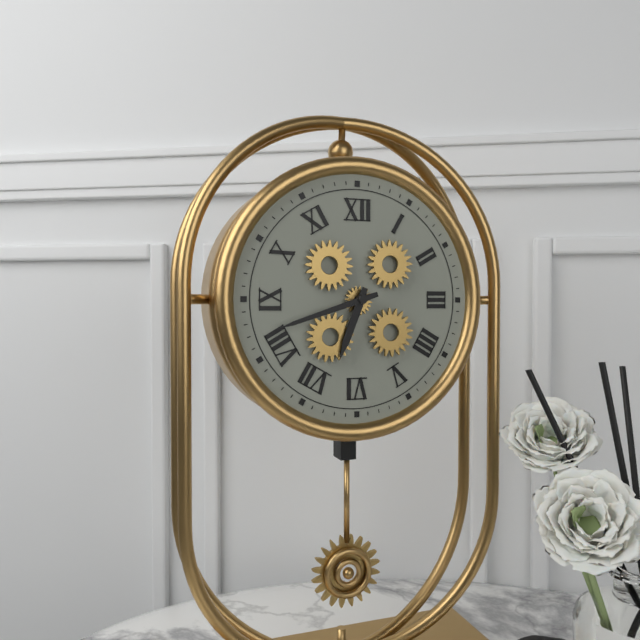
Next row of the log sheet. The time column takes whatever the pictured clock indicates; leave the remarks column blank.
6:42
